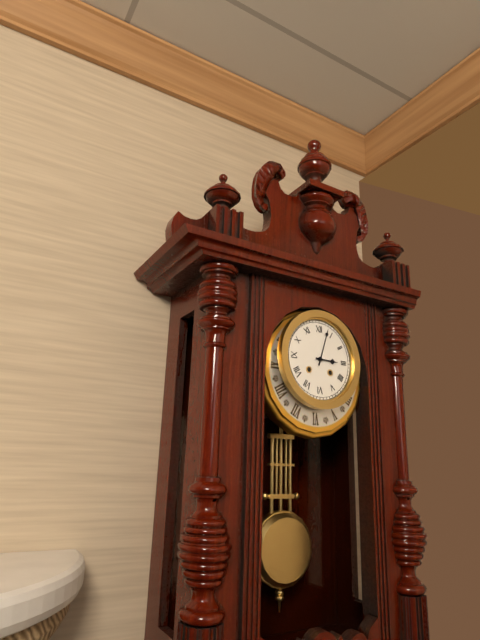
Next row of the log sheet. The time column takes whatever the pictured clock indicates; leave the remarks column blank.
3:03
